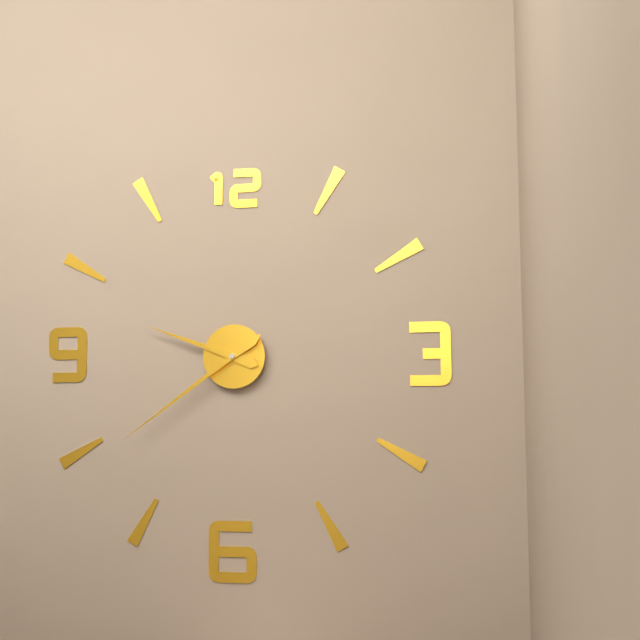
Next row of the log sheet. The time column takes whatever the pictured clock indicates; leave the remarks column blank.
9:39
